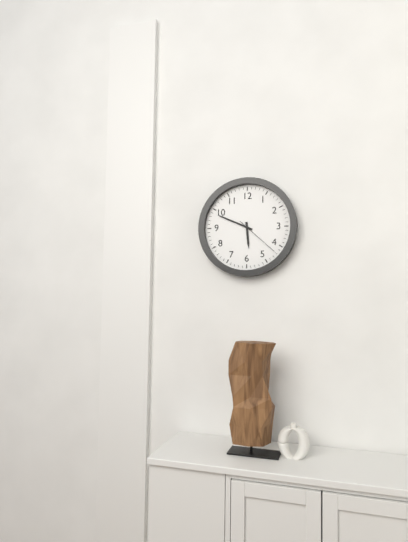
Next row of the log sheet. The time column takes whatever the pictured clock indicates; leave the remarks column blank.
5:49
